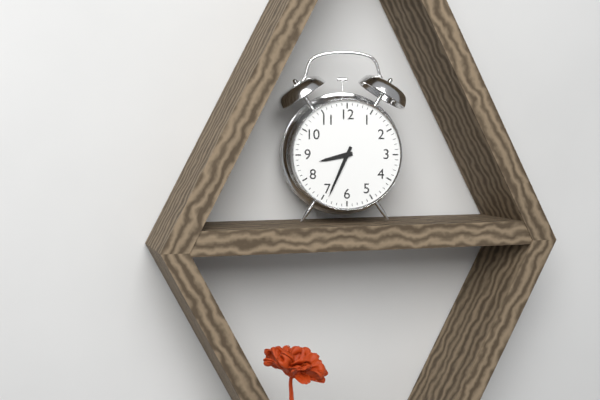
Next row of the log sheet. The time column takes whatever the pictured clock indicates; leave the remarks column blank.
8:34
